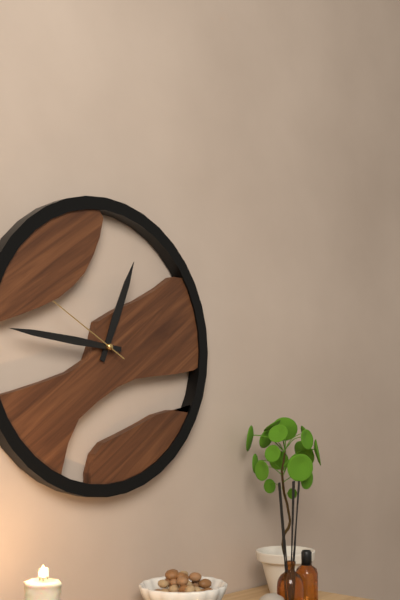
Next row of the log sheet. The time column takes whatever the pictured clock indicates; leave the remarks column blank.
12:46:50
